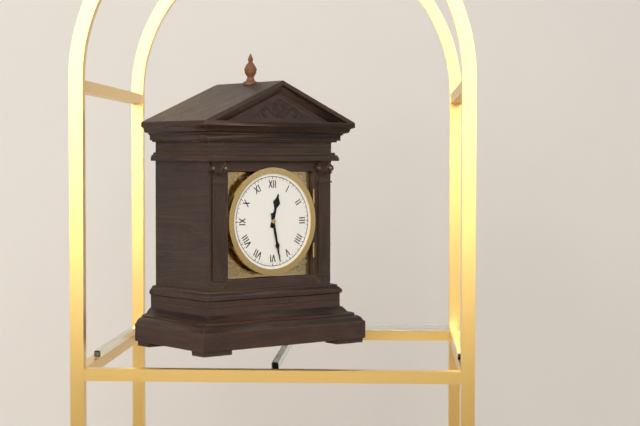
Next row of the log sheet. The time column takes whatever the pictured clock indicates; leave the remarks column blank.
12:28
